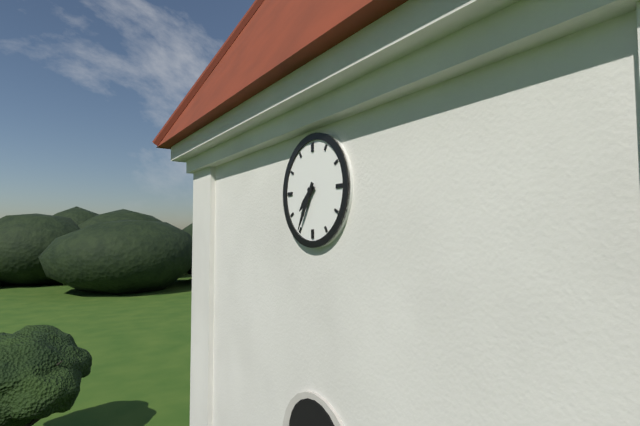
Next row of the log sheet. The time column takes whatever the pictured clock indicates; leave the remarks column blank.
7:35
